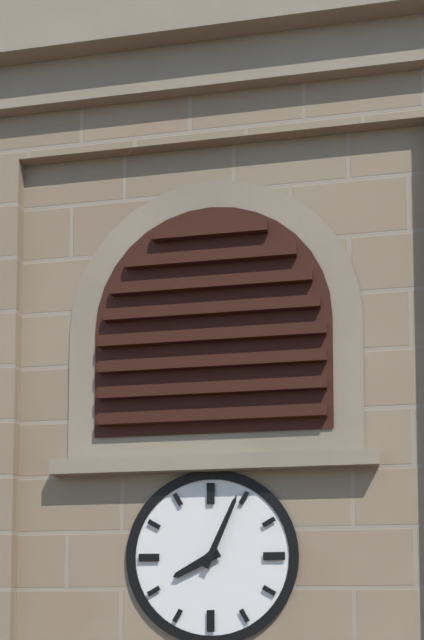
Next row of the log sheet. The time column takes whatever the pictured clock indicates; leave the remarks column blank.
8:04
